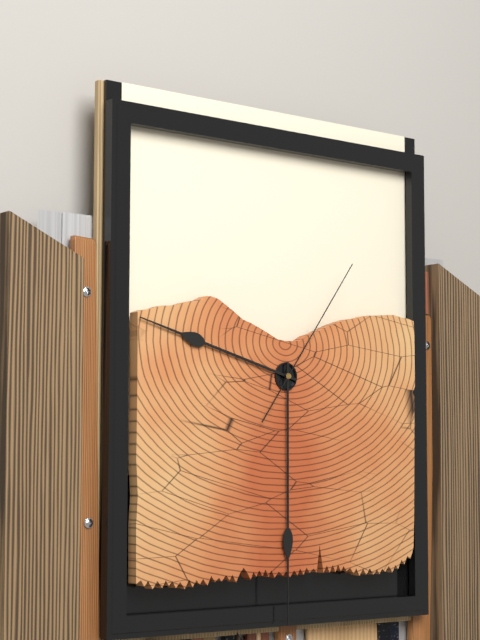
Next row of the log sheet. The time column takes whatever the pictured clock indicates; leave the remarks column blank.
9:30:06
